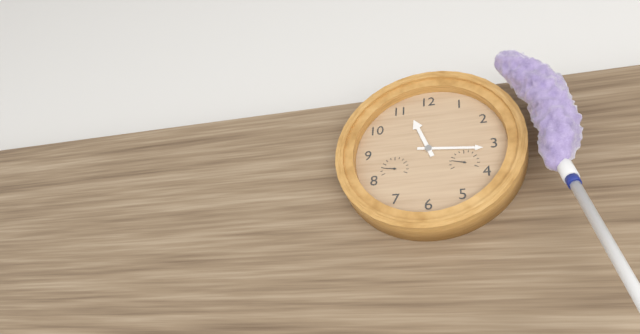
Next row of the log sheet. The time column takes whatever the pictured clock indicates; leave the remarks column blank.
11:16
